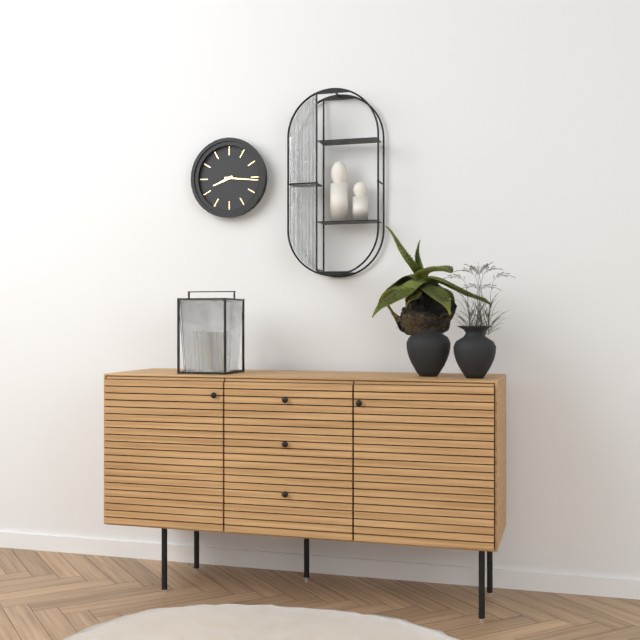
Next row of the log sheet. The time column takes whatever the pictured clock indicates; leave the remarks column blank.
8:16
